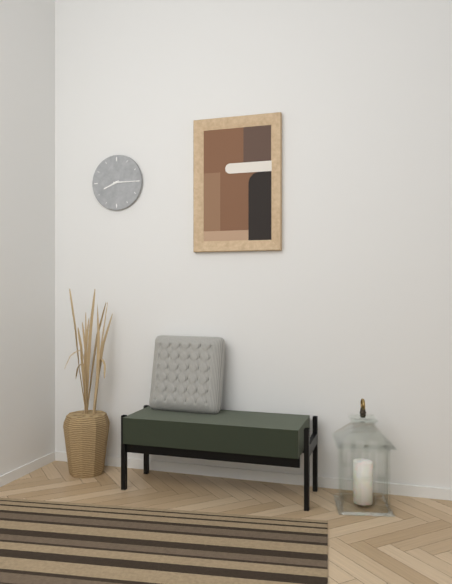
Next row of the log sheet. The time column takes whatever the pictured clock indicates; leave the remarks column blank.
8:15
